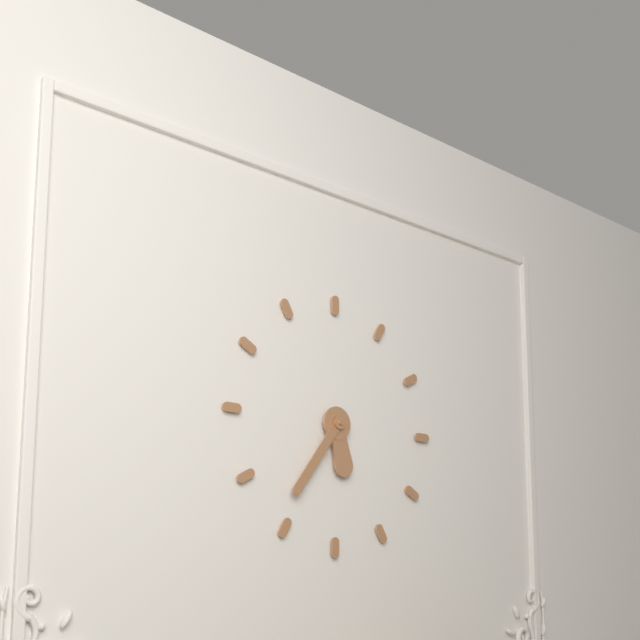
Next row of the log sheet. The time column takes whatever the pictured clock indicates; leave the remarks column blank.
5:36
